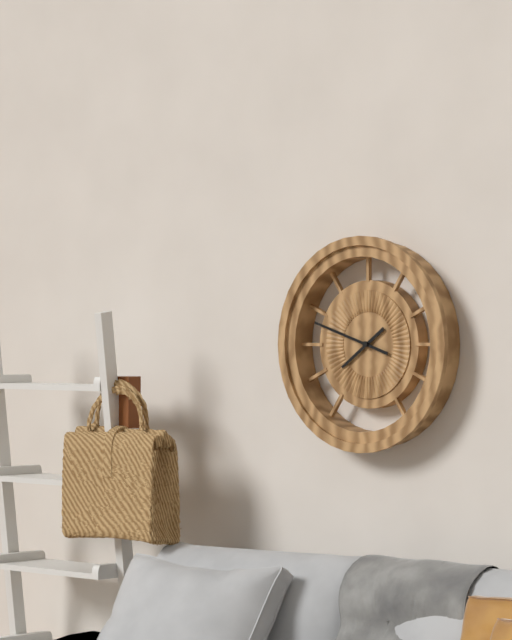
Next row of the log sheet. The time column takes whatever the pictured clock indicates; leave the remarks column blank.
7:48
